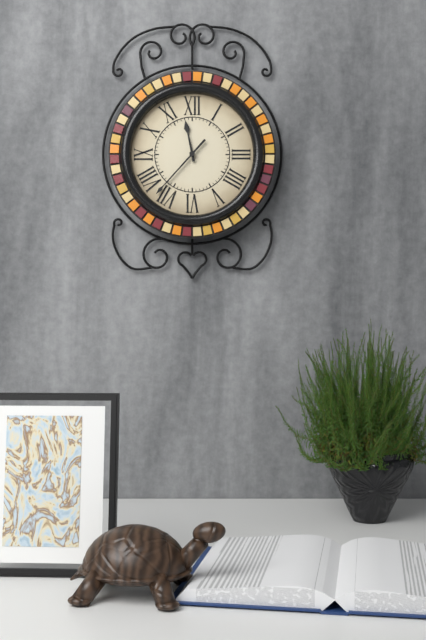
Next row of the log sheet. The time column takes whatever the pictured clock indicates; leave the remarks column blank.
11:37
